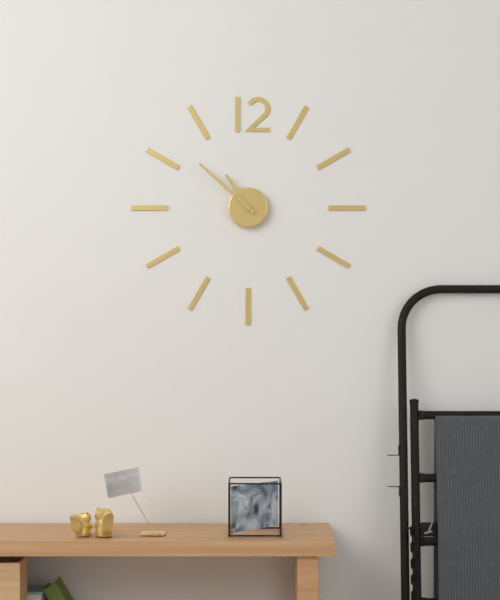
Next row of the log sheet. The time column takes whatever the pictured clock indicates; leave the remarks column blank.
10:52
